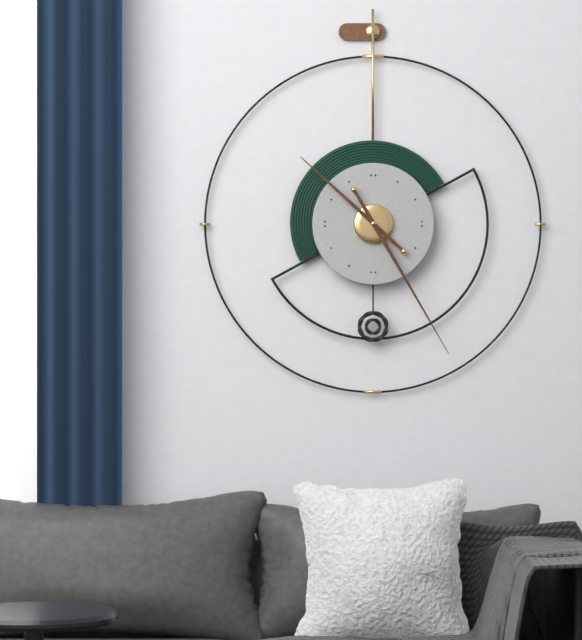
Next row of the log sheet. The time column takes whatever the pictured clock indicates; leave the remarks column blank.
10:25
